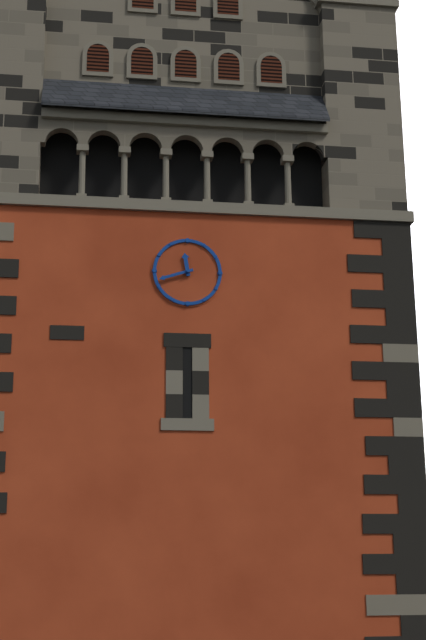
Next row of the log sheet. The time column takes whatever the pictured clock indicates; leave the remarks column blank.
11:42
